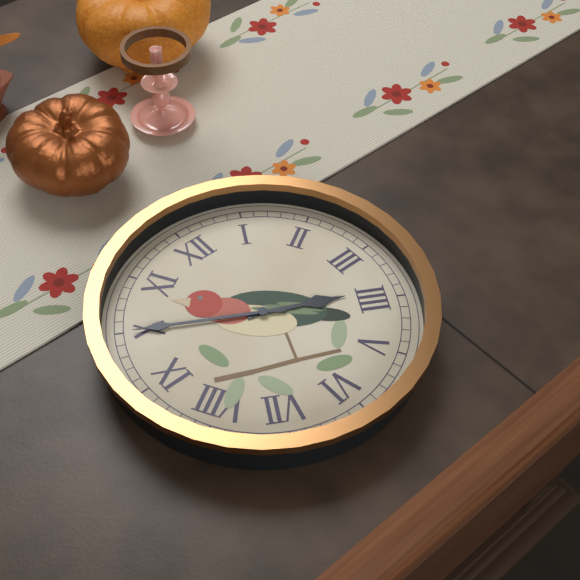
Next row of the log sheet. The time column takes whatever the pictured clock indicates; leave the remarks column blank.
3:50
